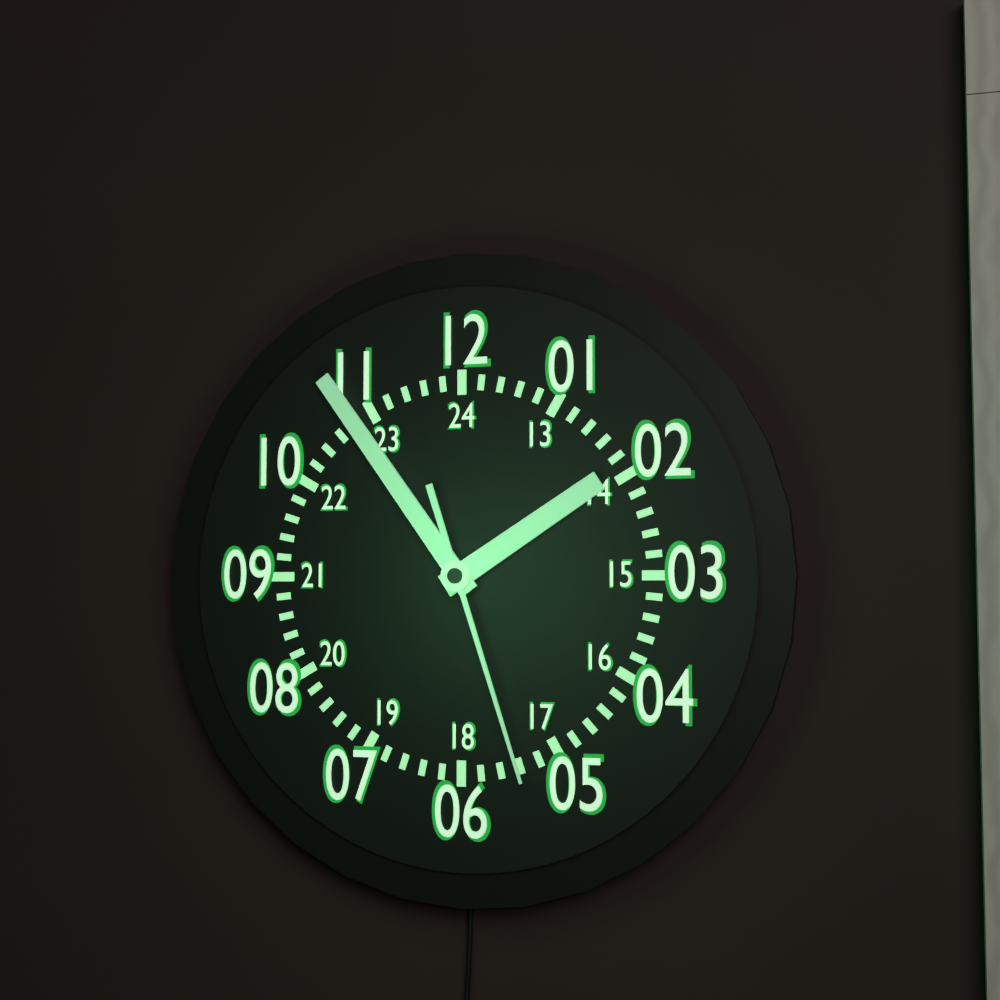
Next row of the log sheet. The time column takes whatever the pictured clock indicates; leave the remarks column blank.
1:54:27
